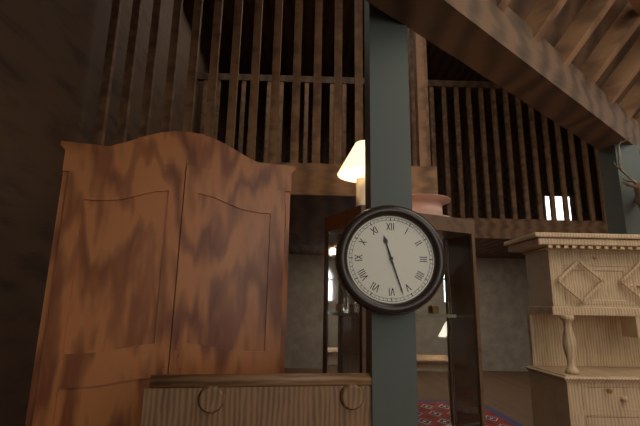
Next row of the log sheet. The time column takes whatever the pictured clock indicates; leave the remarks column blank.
11:27
